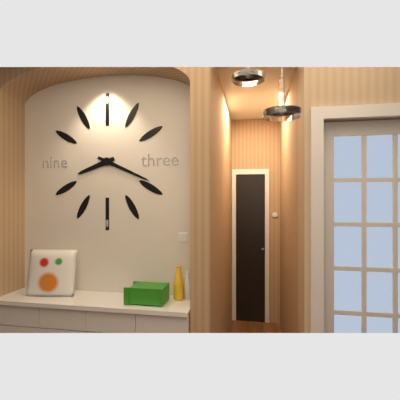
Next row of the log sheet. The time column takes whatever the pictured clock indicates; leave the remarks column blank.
8:19
